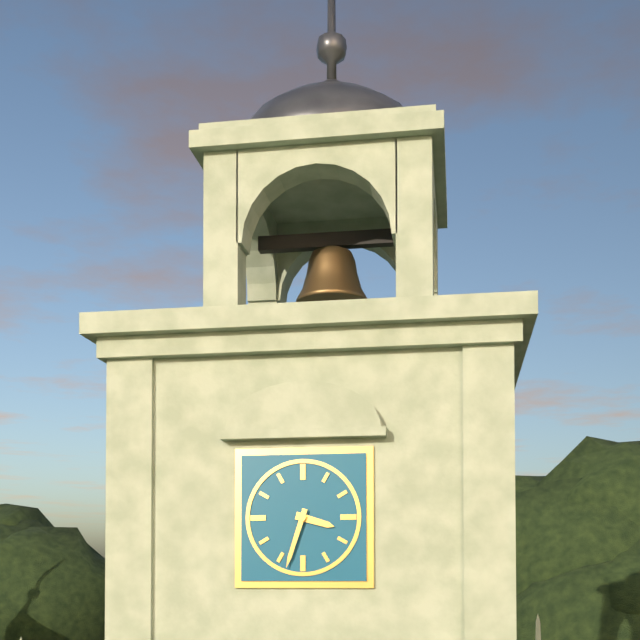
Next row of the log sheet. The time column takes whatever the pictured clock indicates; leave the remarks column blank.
3:33
